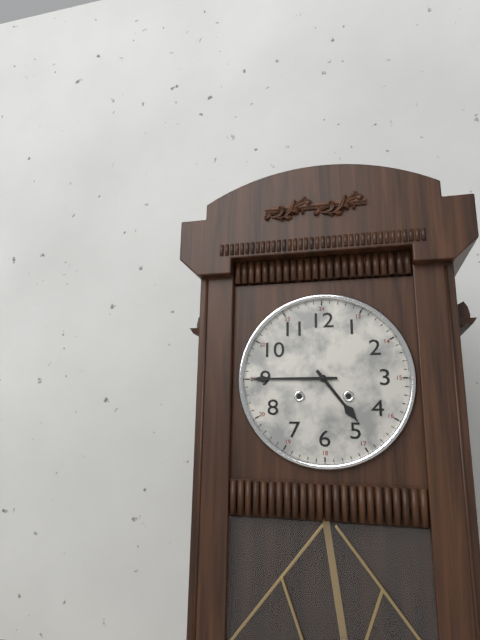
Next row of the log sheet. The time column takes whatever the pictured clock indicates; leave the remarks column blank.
4:45
